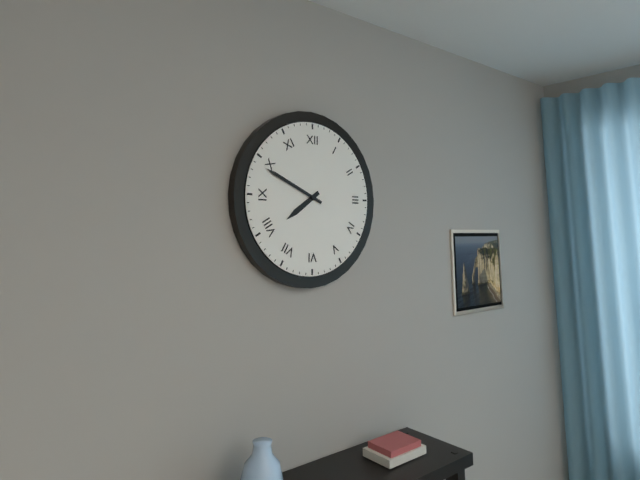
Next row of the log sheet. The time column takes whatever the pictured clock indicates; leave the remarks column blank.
7:49
